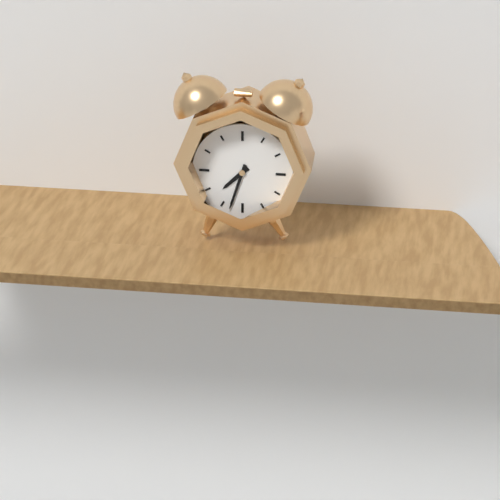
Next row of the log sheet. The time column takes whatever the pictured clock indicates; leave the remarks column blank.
7:33
